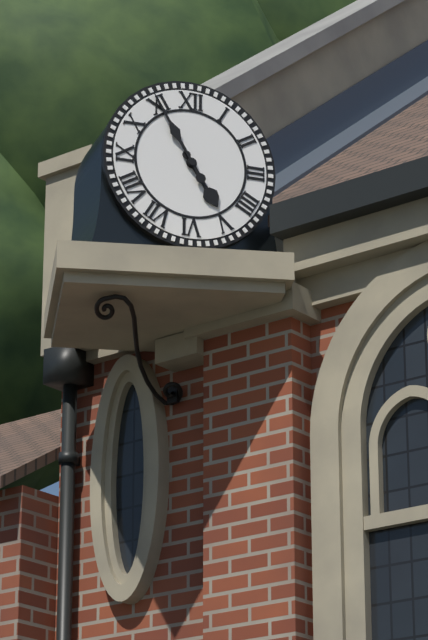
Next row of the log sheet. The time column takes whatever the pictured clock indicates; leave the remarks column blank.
4:55
